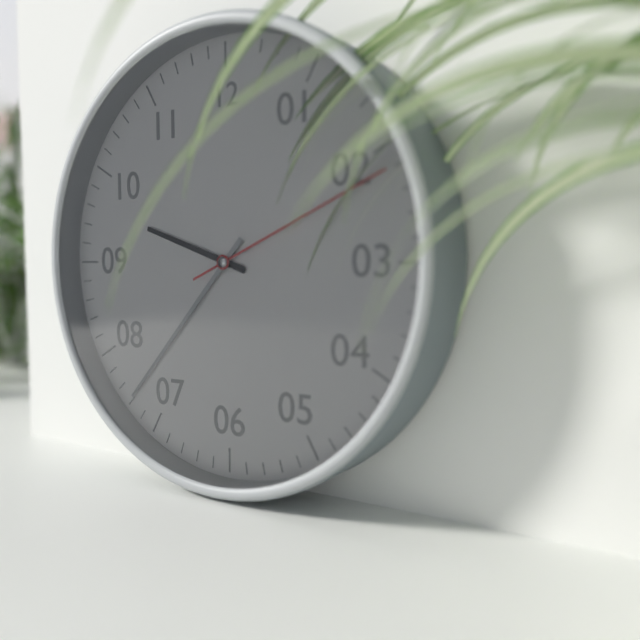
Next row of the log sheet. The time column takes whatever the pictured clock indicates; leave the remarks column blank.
9:37:11
